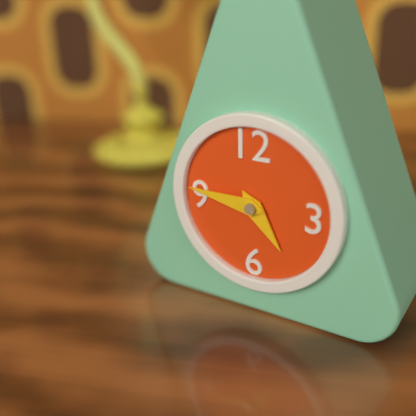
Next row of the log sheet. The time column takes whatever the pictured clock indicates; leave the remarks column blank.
4:46
